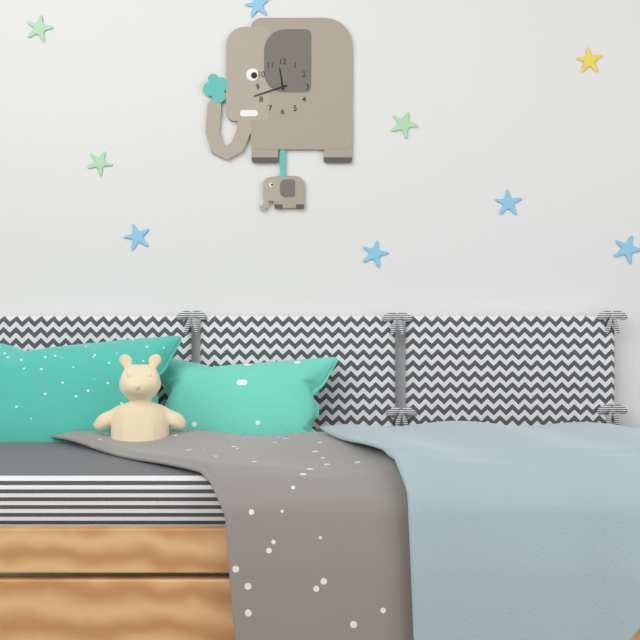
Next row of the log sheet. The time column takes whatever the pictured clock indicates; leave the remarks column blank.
11:42
